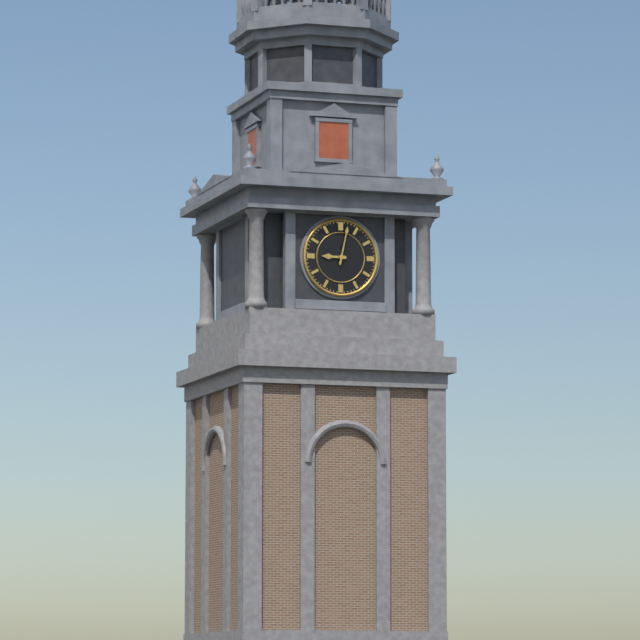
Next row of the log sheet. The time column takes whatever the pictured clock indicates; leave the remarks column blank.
9:02
